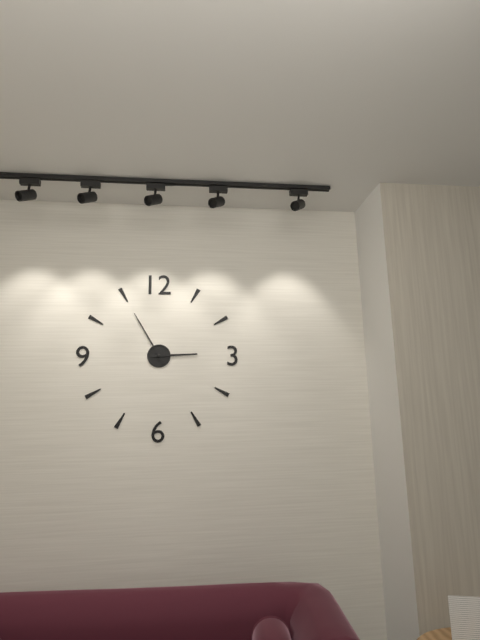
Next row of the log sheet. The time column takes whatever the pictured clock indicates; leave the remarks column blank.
2:55
